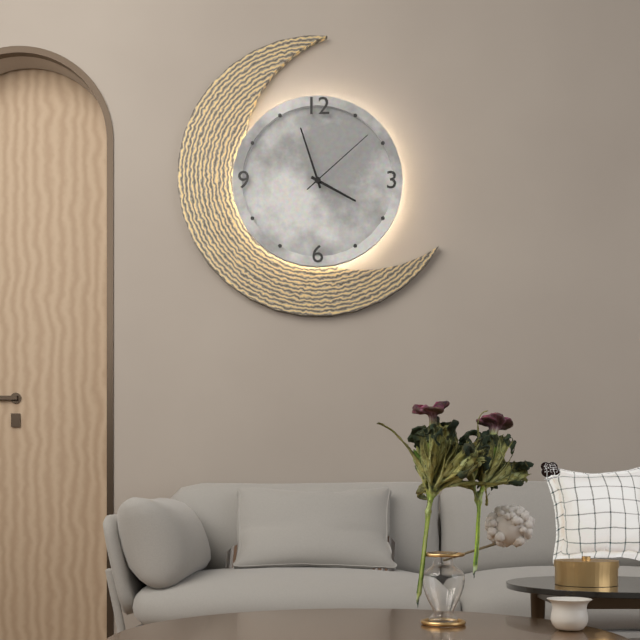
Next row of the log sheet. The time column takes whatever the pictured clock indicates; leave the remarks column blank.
3:57:08
